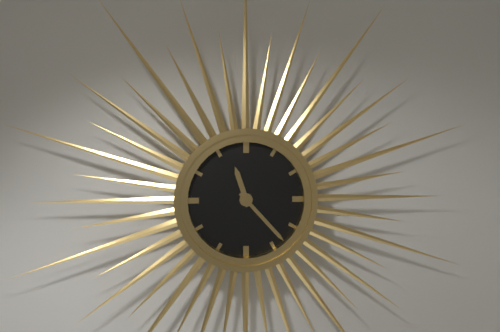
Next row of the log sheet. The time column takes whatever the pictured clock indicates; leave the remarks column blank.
11:23
